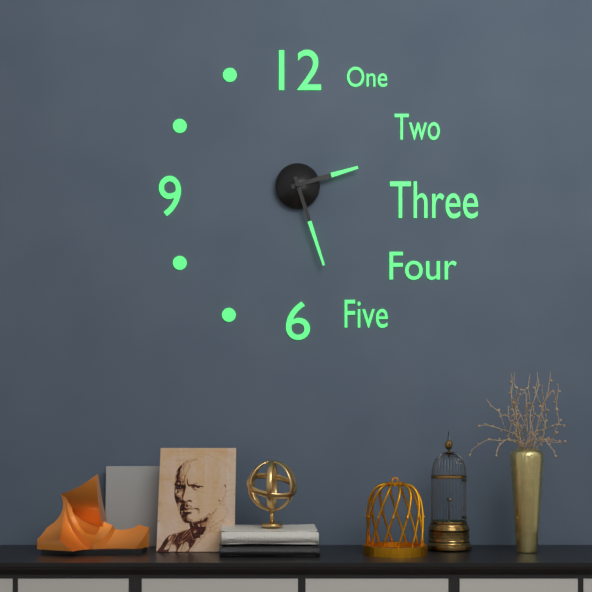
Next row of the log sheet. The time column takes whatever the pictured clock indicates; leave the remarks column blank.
2:27
